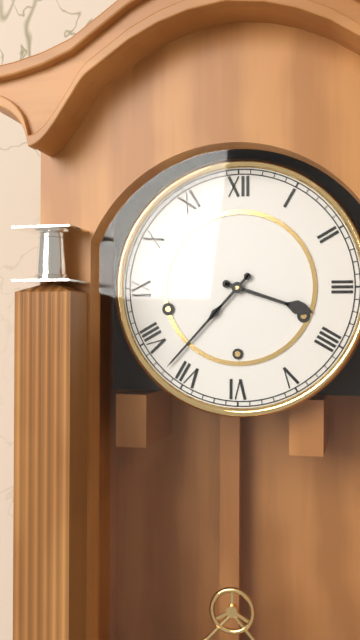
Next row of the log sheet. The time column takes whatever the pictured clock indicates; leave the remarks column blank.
3:37
